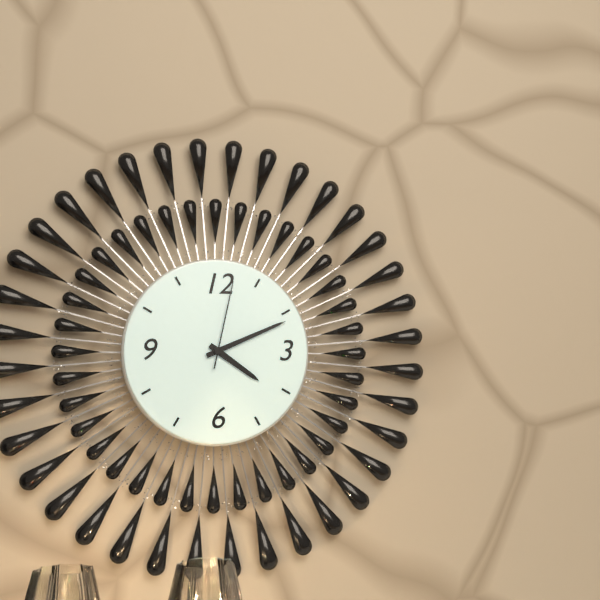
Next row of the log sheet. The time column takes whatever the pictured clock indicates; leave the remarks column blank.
4:11:02
